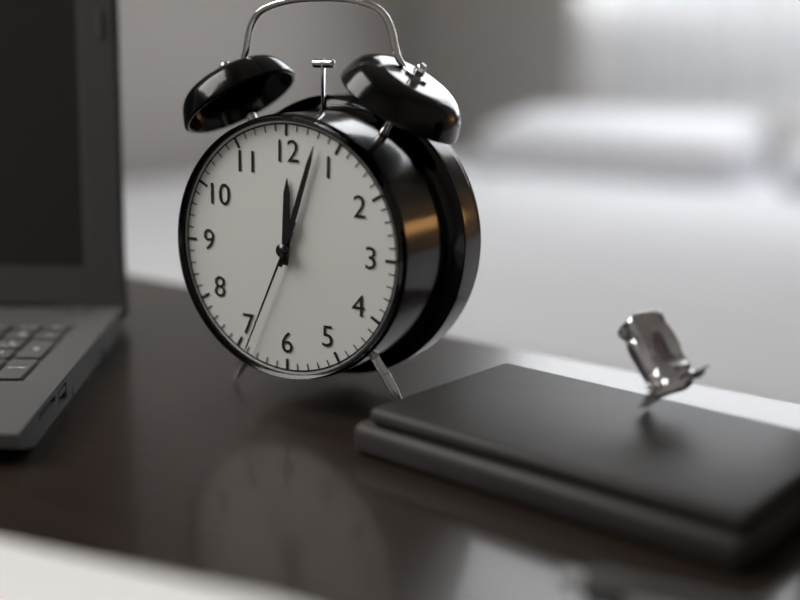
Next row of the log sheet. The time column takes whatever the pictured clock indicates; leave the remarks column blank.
12:03:34
